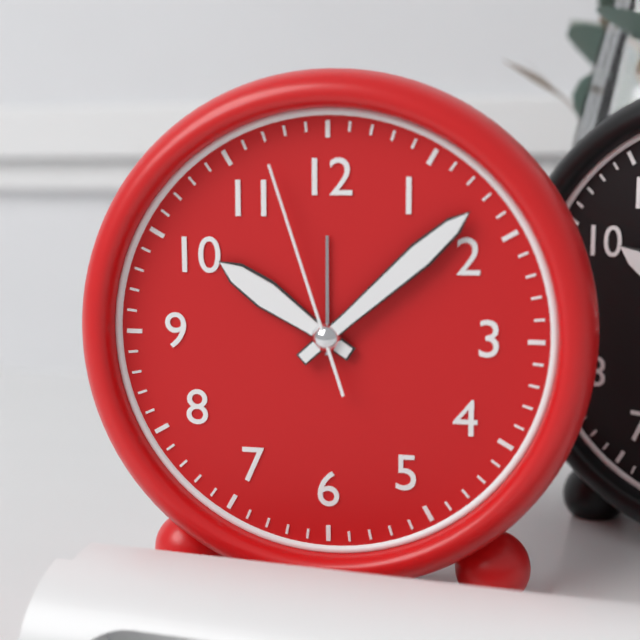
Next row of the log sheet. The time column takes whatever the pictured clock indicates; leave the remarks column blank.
10:08:57
